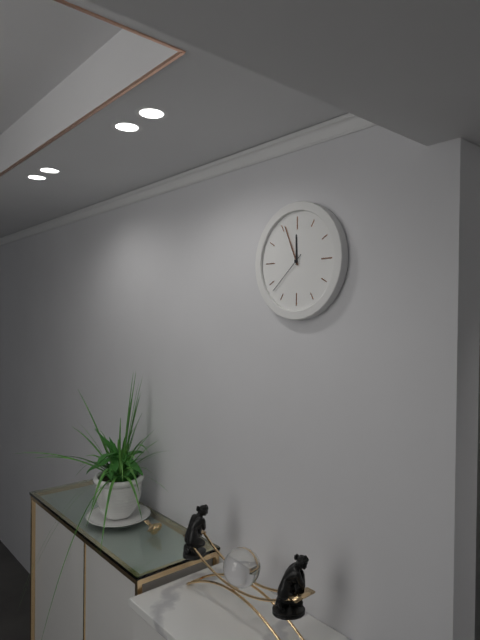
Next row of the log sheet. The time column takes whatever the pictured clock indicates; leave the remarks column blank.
11:56
